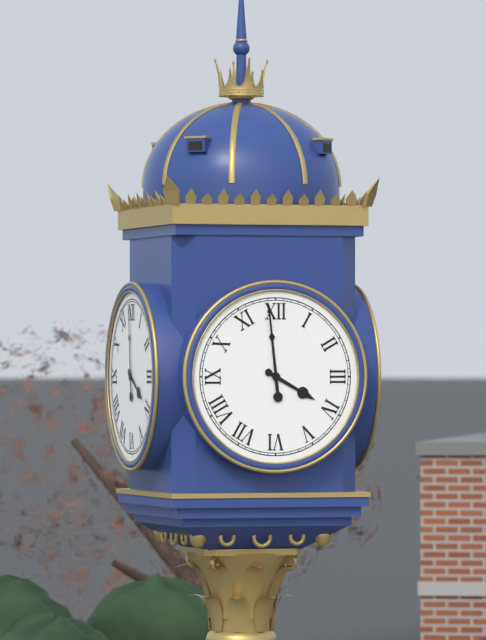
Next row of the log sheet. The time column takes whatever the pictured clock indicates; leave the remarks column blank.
3:59
